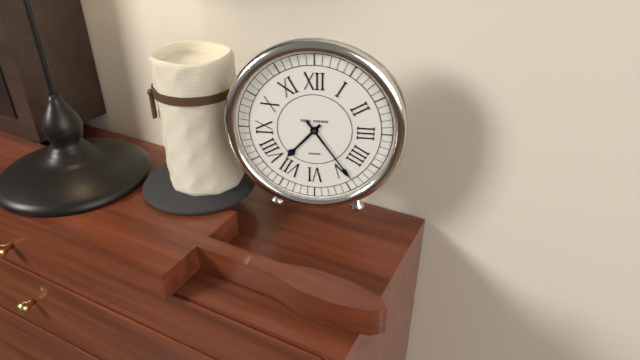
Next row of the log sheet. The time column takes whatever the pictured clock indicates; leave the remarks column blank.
7:24
